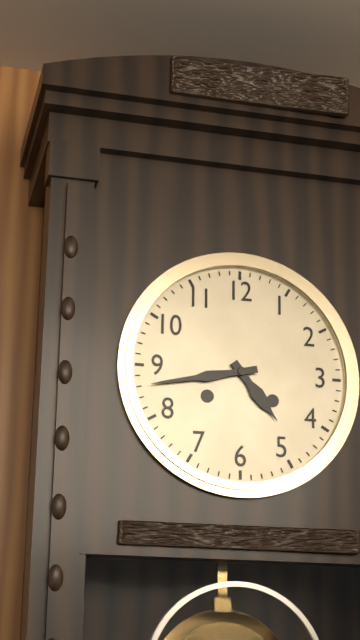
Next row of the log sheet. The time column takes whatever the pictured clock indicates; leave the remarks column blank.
4:43
